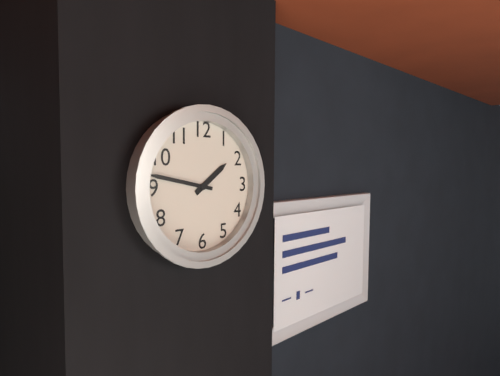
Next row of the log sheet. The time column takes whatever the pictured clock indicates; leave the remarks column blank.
1:47
